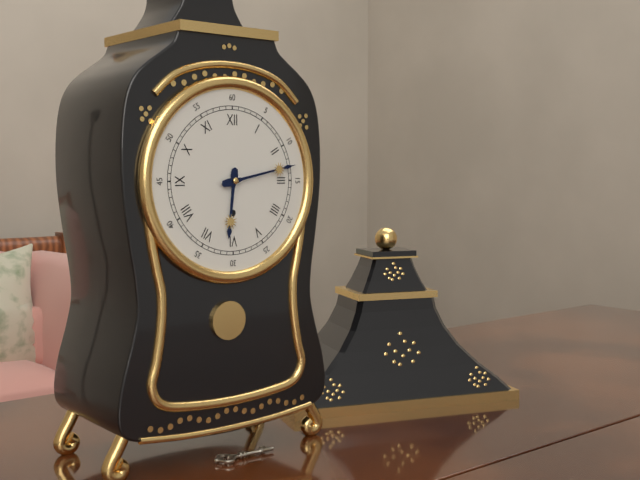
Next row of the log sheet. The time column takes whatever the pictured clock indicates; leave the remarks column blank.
6:13
